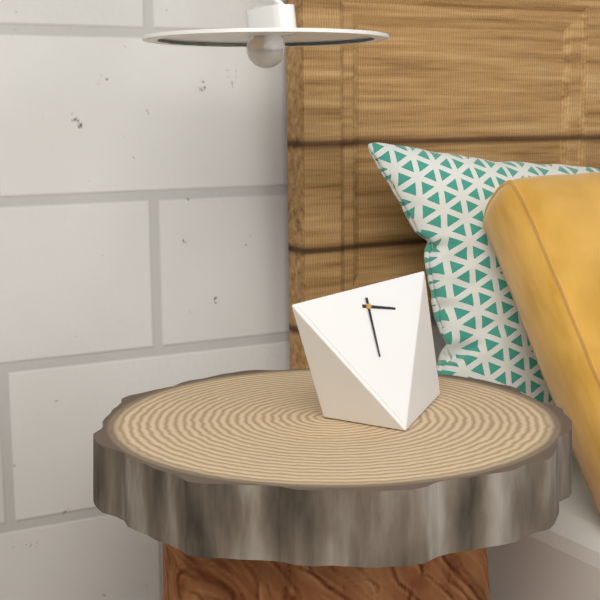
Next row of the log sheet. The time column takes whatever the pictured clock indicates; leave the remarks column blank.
3:31
